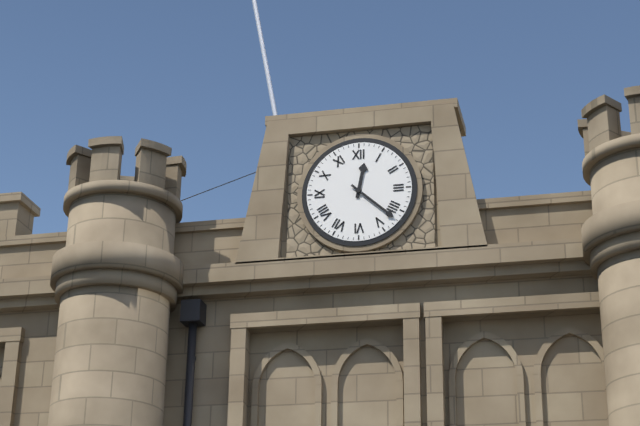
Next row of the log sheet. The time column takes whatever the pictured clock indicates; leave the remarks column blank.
12:22
